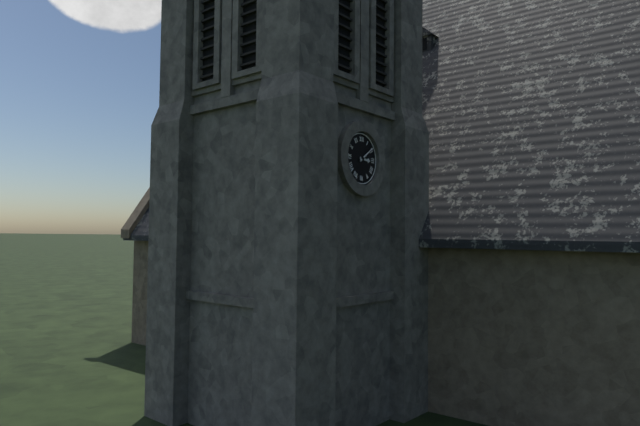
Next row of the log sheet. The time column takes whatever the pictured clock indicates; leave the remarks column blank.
3:09
